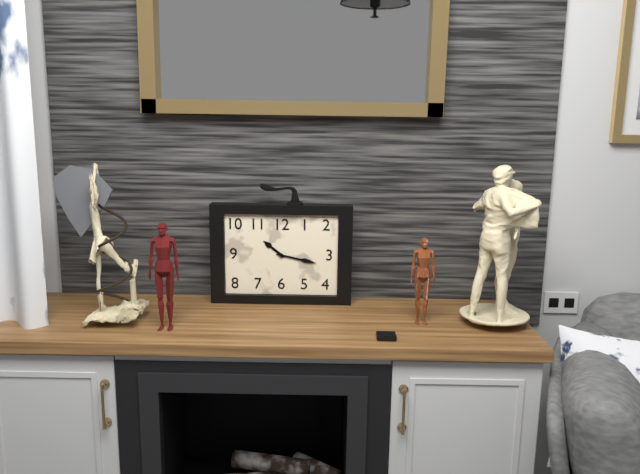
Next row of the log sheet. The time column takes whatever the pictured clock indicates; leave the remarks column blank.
10:17
